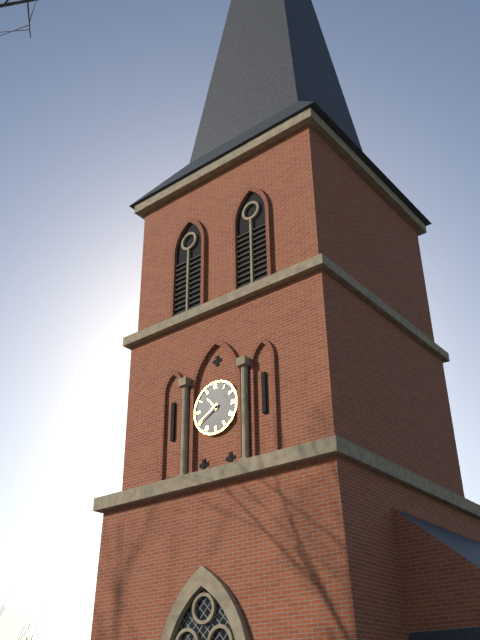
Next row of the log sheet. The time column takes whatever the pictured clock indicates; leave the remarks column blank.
10:40
